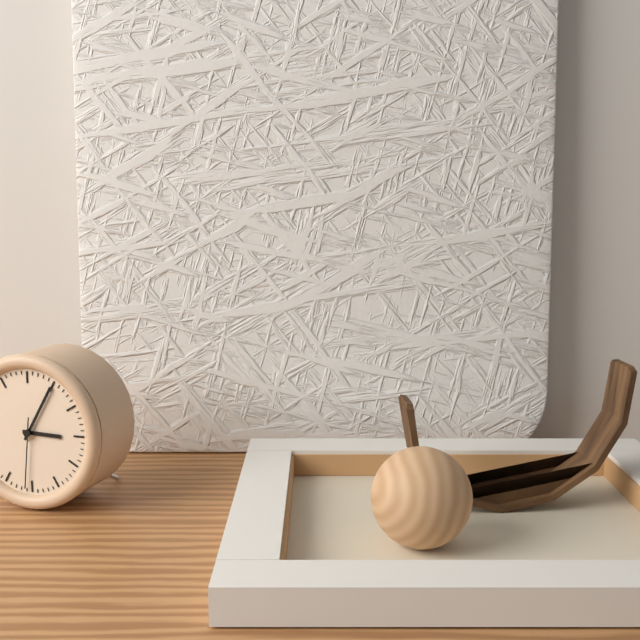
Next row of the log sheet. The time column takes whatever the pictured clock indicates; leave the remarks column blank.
3:05:31
